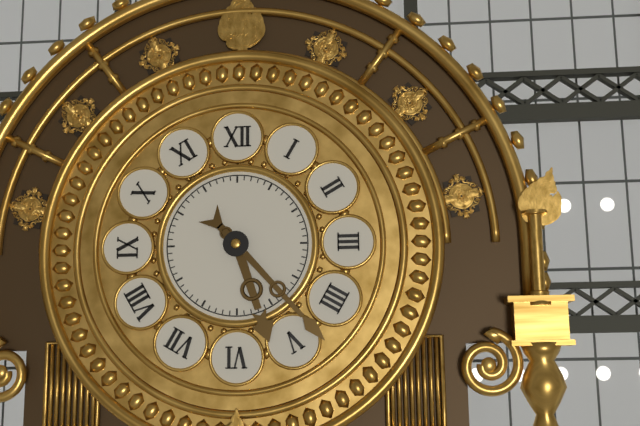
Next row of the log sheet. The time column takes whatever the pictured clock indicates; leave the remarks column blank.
5:23
